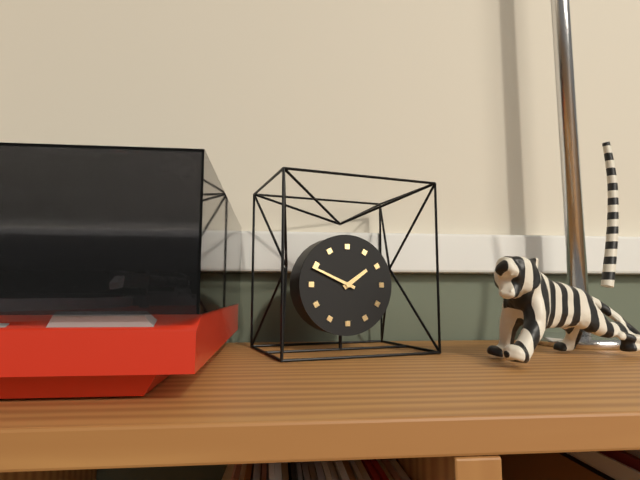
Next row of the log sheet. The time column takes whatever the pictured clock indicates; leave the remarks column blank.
1:49
